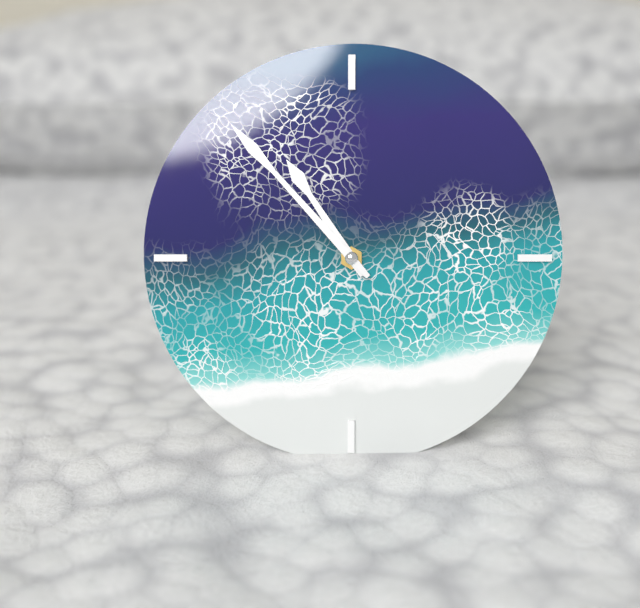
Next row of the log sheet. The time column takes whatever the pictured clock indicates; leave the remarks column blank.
10:53
